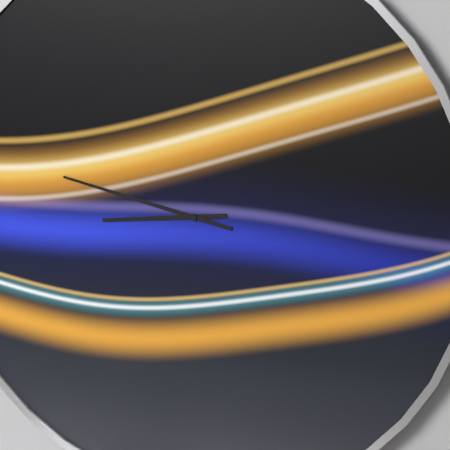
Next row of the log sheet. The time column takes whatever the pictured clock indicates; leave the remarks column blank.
8:47
